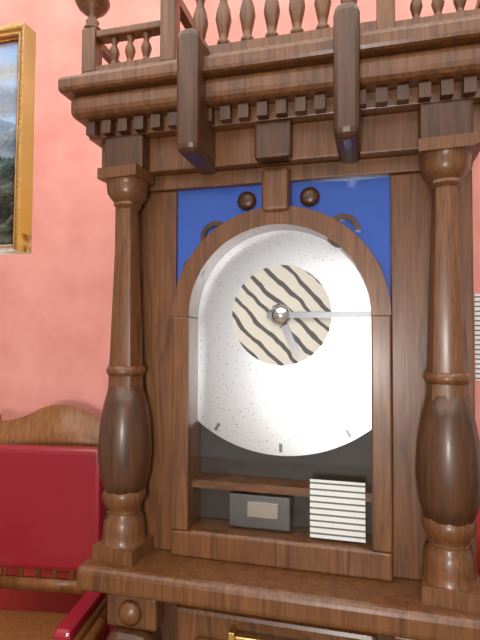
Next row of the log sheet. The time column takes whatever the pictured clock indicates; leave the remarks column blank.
5:15
